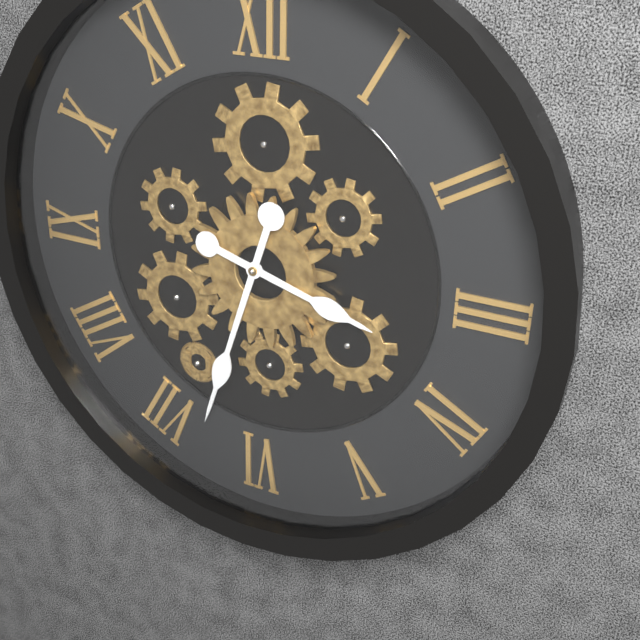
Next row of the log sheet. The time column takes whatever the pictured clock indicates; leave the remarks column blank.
3:33
